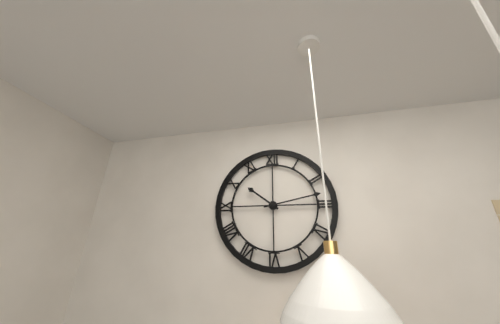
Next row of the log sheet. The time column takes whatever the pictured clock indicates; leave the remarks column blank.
10:13
